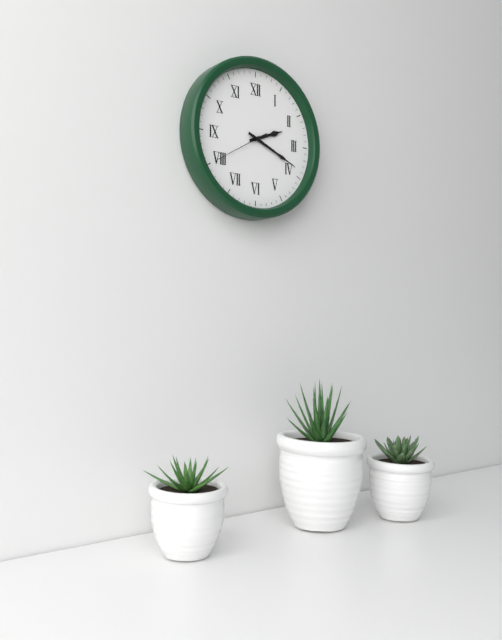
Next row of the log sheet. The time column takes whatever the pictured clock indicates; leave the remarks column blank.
2:19:40
